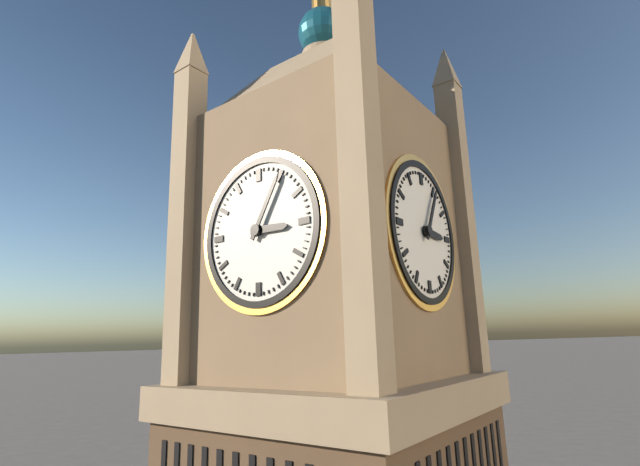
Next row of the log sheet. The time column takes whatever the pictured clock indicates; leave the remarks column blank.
3:05
